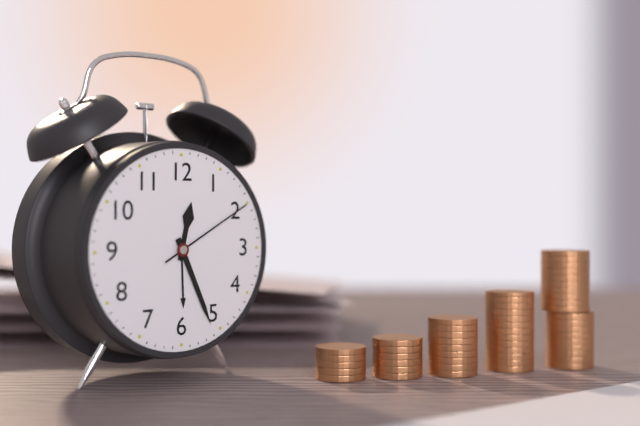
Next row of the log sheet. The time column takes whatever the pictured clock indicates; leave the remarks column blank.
12:26:10
